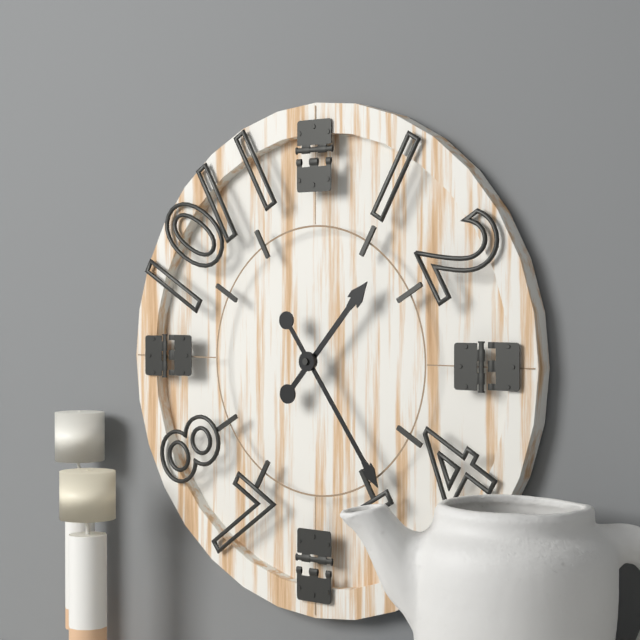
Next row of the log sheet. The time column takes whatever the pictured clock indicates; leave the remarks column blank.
1:24
